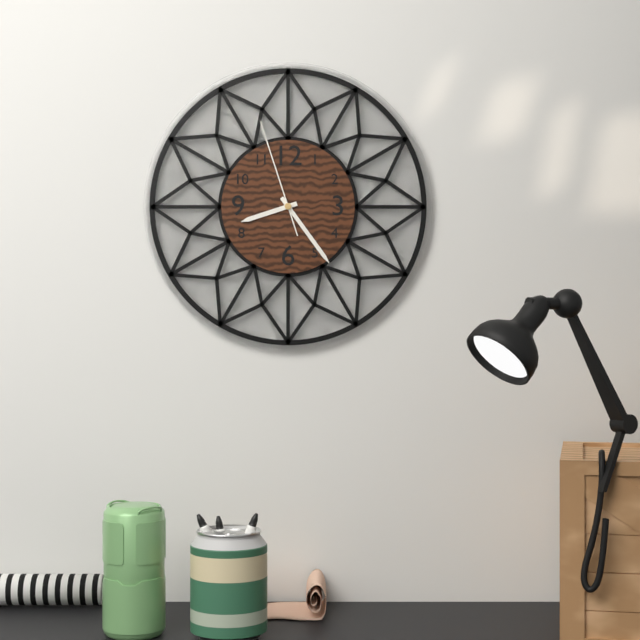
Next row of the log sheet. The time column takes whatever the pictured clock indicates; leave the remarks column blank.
8:24:57
